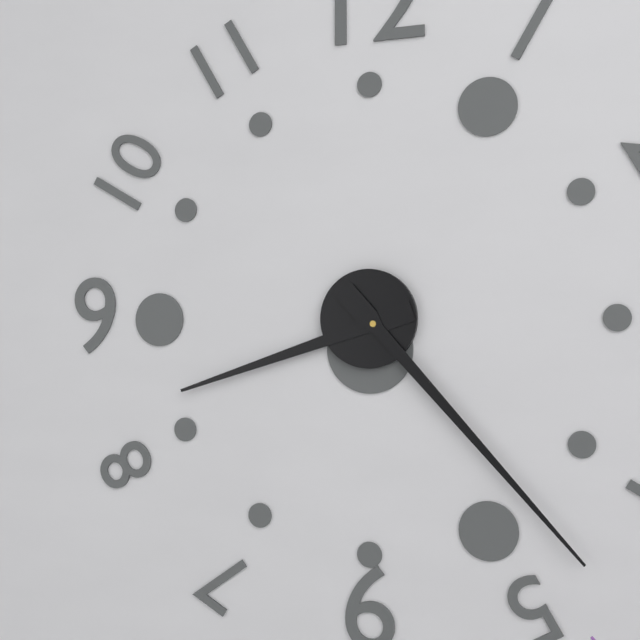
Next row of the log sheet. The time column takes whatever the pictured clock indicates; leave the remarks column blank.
8:23
